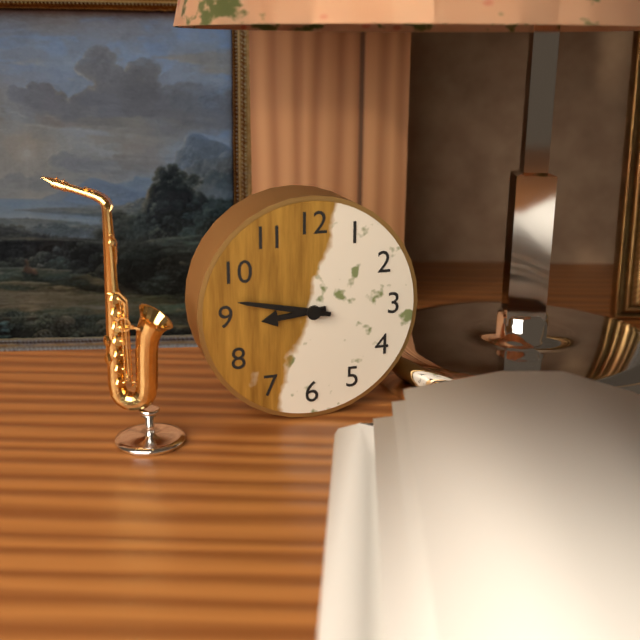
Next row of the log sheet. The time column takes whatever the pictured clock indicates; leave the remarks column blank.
8:47
